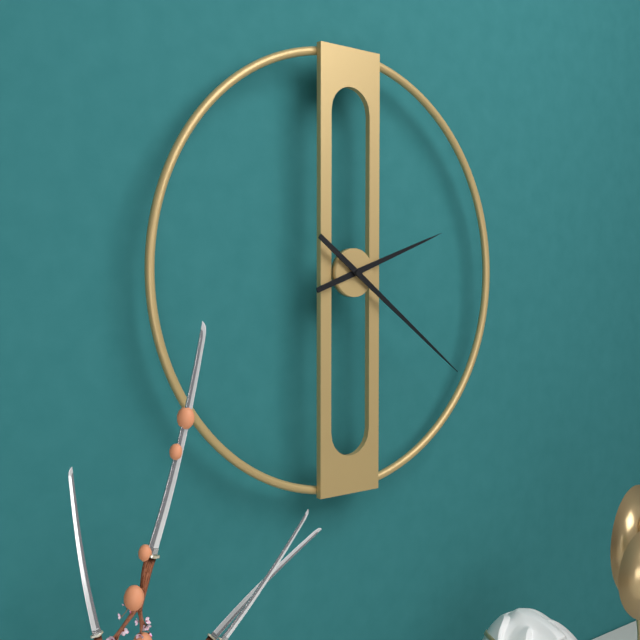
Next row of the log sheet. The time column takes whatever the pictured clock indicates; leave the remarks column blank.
2:21
